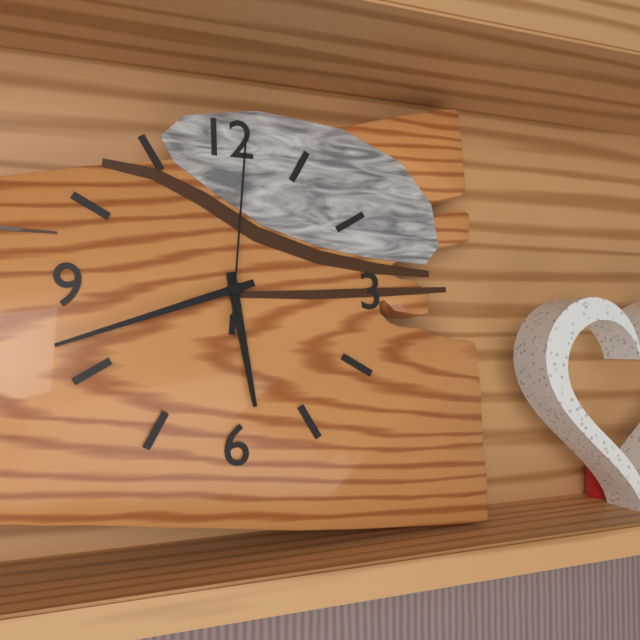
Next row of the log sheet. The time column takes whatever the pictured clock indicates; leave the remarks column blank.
5:42:01
